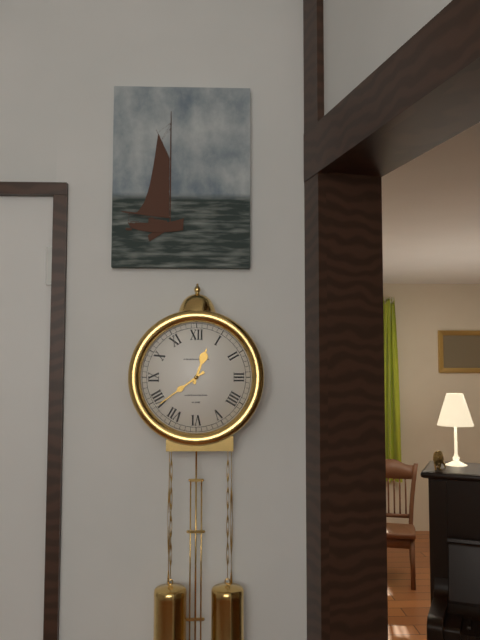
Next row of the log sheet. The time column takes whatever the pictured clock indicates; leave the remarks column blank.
12:39
